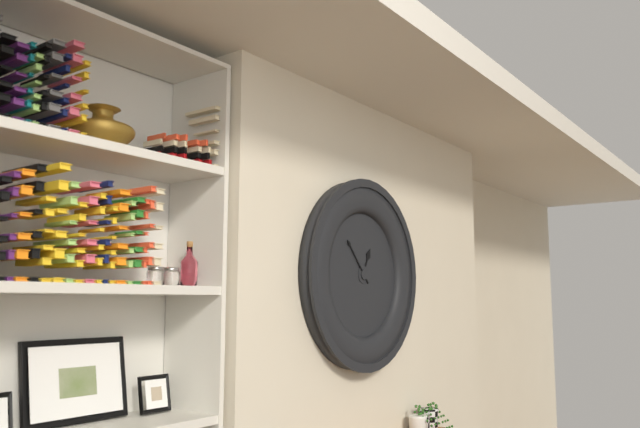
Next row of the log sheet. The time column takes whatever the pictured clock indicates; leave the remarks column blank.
12:53
